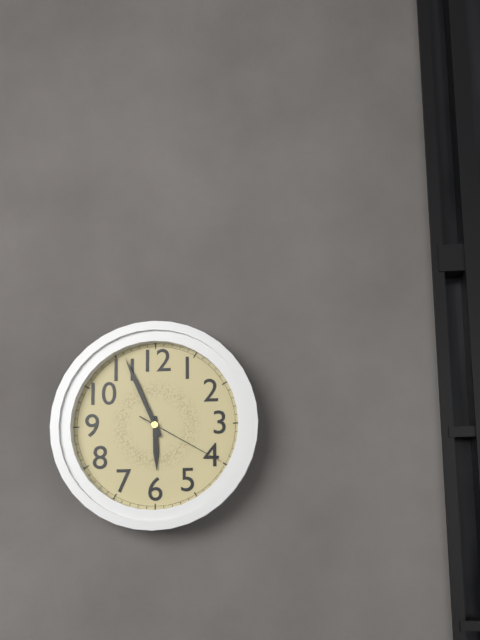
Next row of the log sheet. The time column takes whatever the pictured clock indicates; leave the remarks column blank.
5:56:20
